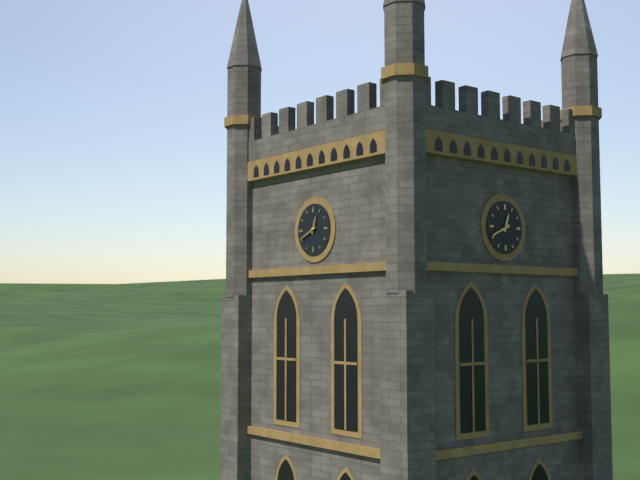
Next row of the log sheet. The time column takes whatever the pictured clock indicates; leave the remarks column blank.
12:41
